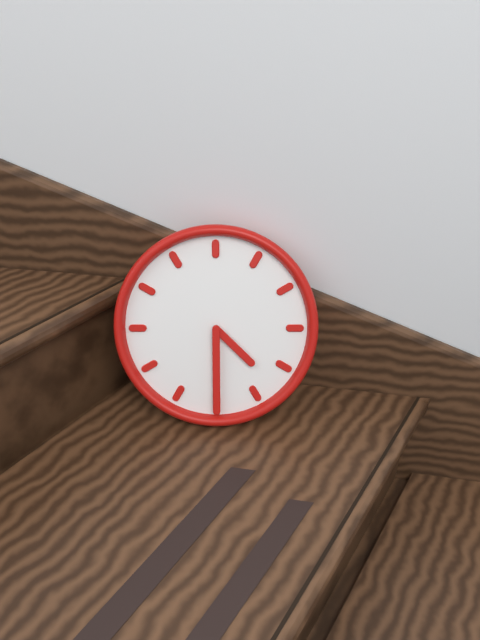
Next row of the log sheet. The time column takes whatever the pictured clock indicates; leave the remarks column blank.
4:30
